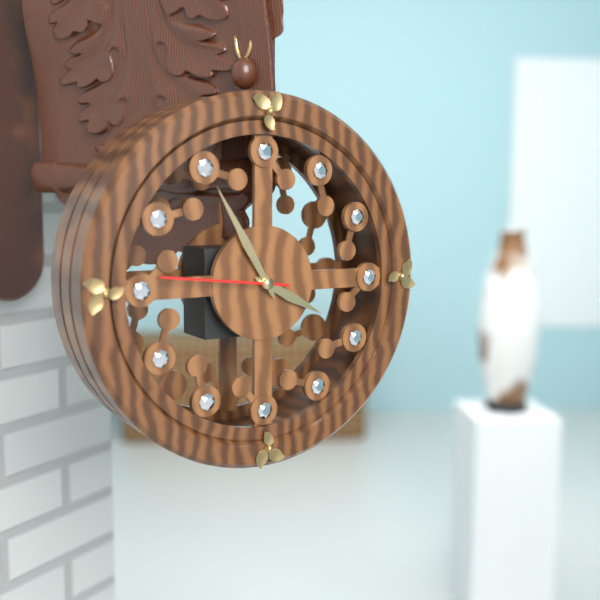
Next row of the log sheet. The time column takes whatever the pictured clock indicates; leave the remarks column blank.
3:55:46
